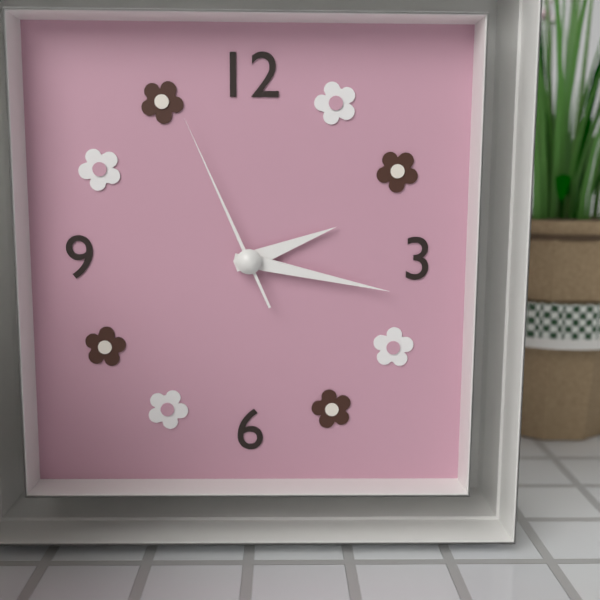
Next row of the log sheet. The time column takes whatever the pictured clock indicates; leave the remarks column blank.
2:17:56
